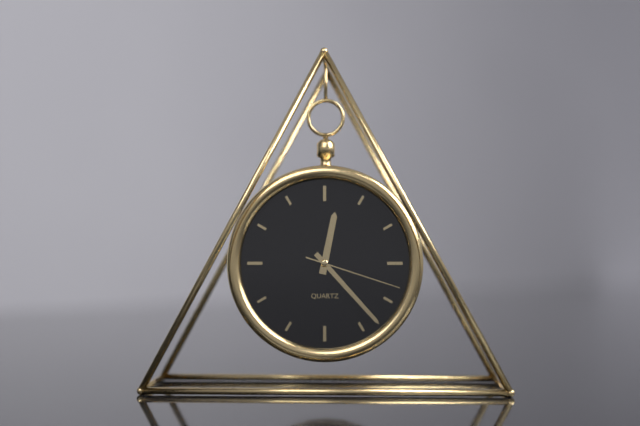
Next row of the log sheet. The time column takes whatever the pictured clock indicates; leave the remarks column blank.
12:23:18
